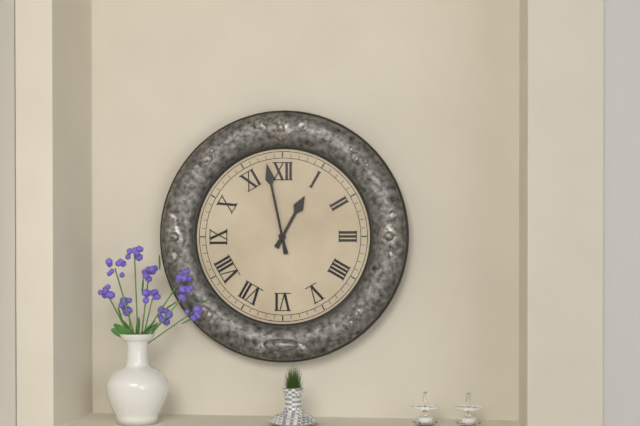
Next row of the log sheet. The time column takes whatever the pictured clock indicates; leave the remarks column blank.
12:58
